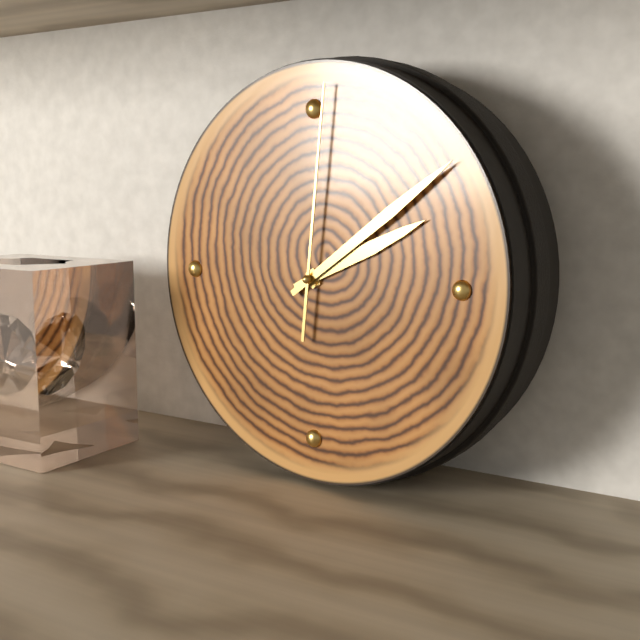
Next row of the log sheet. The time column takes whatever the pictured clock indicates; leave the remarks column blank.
2:09:01
